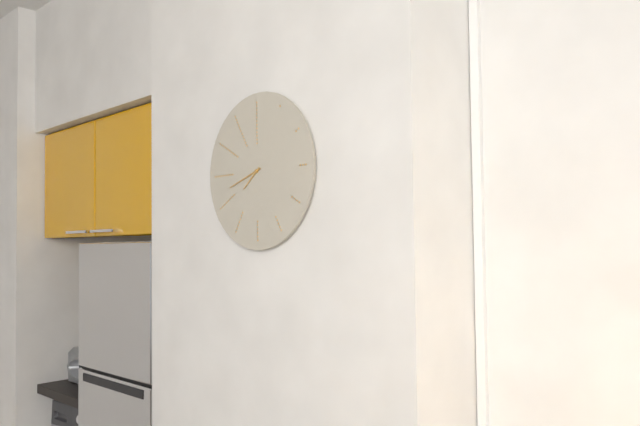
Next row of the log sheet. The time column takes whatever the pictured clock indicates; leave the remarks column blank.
7:42
